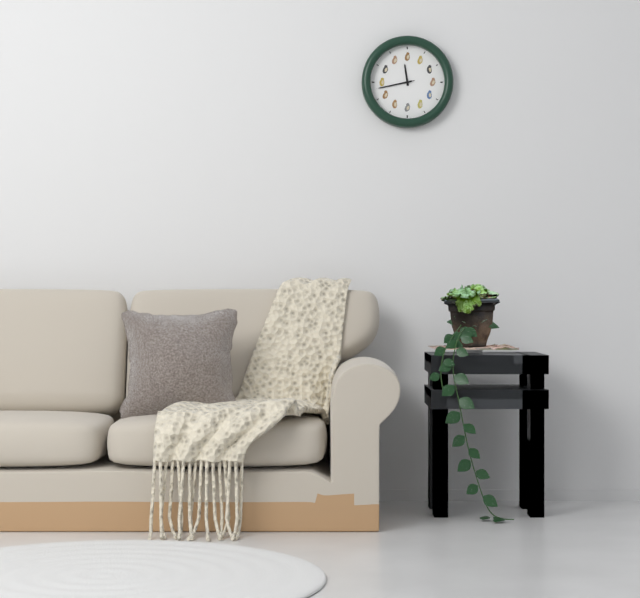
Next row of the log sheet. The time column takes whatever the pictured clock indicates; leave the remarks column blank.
11:43
